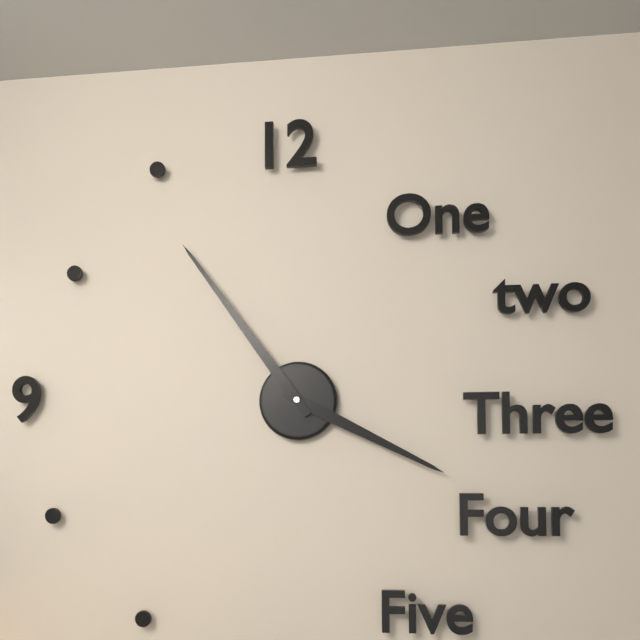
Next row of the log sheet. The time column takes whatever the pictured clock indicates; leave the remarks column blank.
3:54
